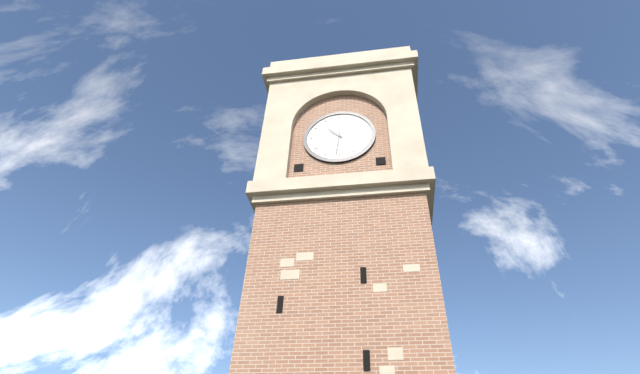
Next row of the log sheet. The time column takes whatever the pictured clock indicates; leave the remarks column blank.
10:31
